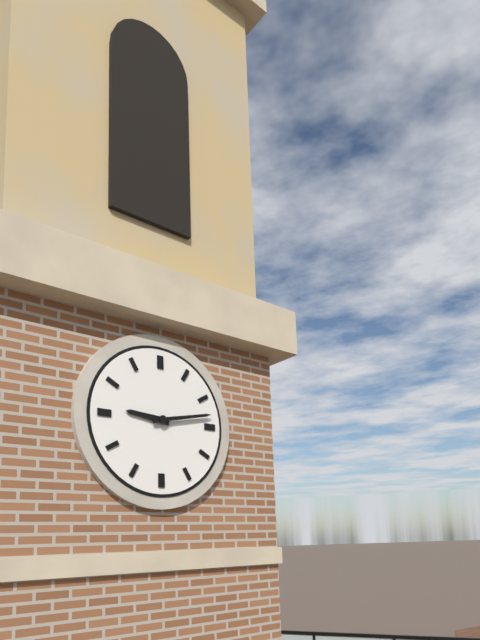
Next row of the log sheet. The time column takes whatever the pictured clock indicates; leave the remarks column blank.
9:13
